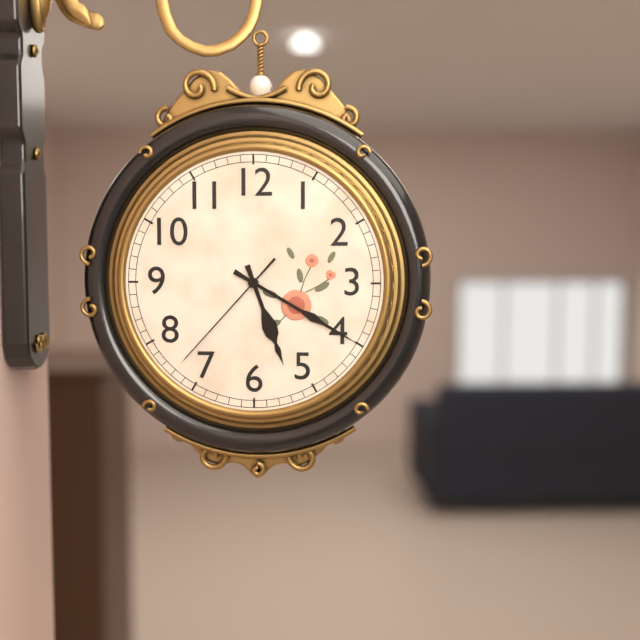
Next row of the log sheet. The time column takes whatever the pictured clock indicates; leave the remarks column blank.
5:20:37
